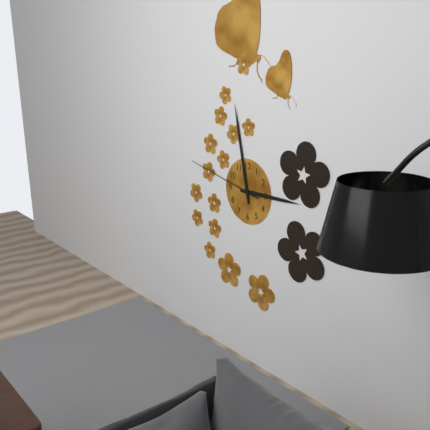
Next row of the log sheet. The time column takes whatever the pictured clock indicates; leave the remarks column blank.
2:58:47
